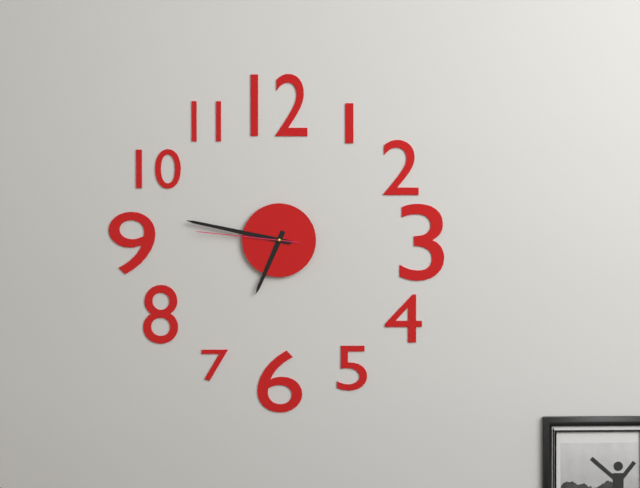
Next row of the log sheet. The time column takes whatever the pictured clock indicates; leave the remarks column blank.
6:47:46
